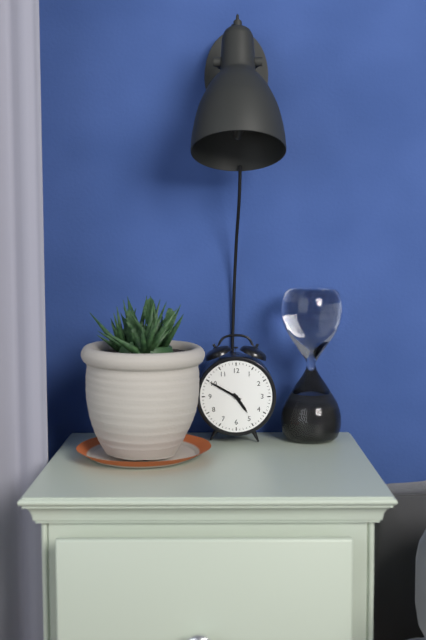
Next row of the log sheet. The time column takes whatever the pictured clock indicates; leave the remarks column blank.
4:50
